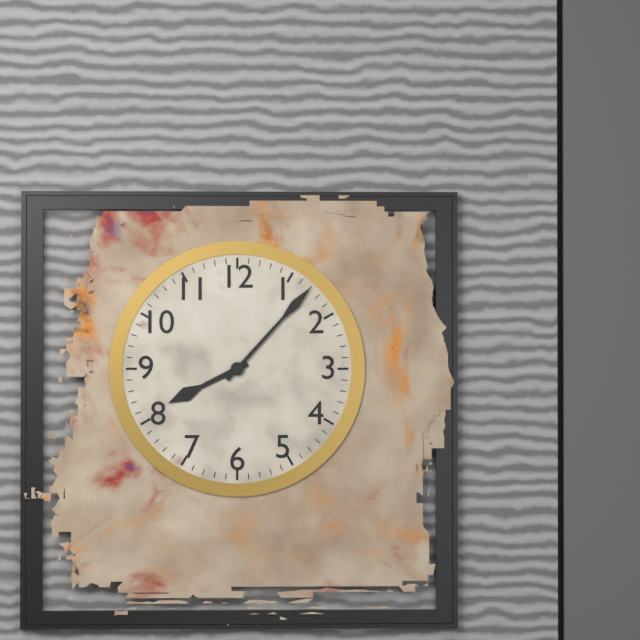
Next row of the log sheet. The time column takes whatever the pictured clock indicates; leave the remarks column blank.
8:07
